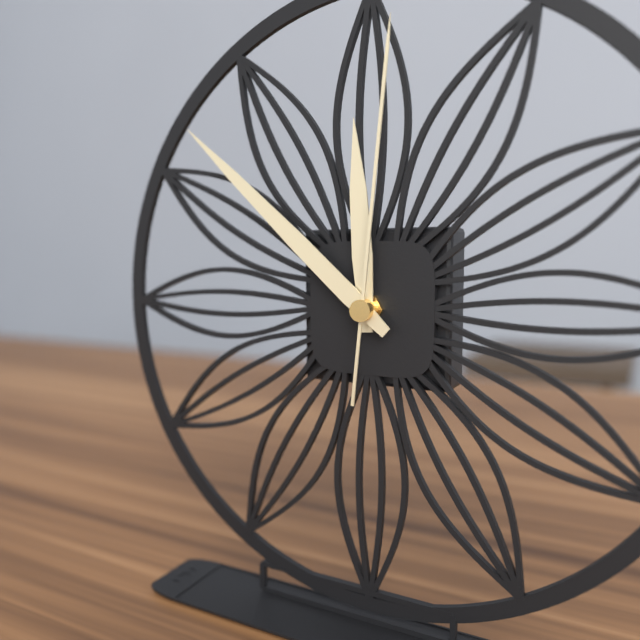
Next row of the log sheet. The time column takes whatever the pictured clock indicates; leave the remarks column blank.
11:52:01
